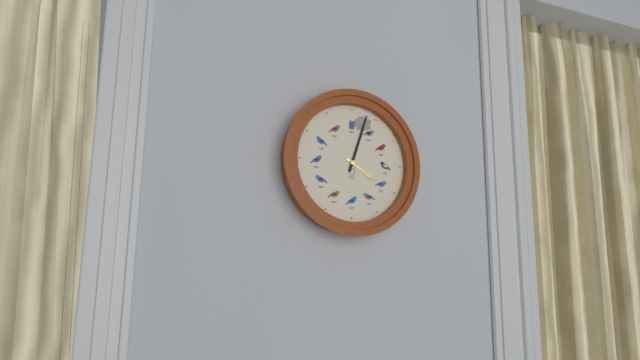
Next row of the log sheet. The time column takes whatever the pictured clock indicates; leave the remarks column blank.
4:03
